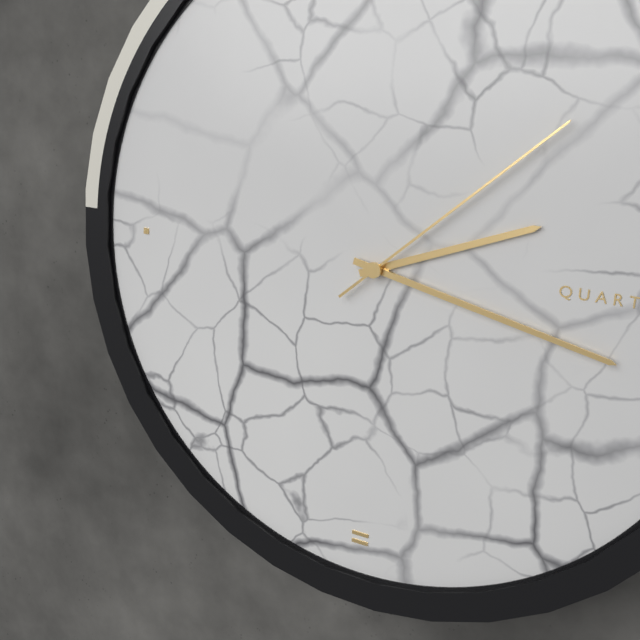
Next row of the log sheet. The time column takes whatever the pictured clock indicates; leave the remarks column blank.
2:17:08
